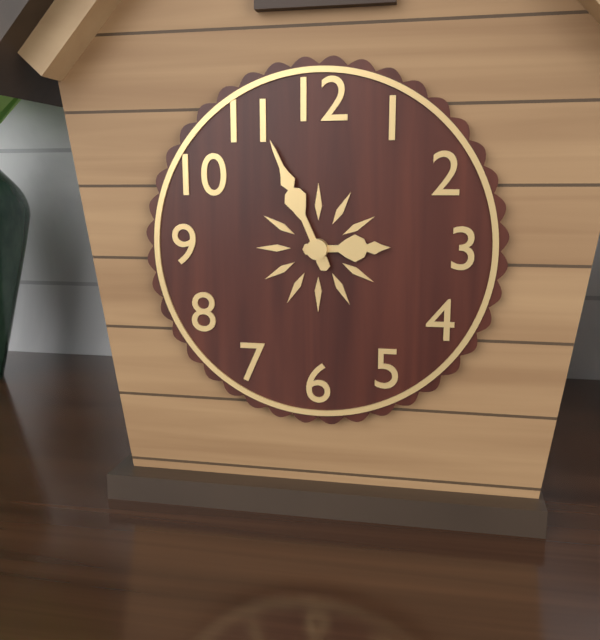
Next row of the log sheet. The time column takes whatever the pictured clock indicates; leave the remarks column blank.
2:56
